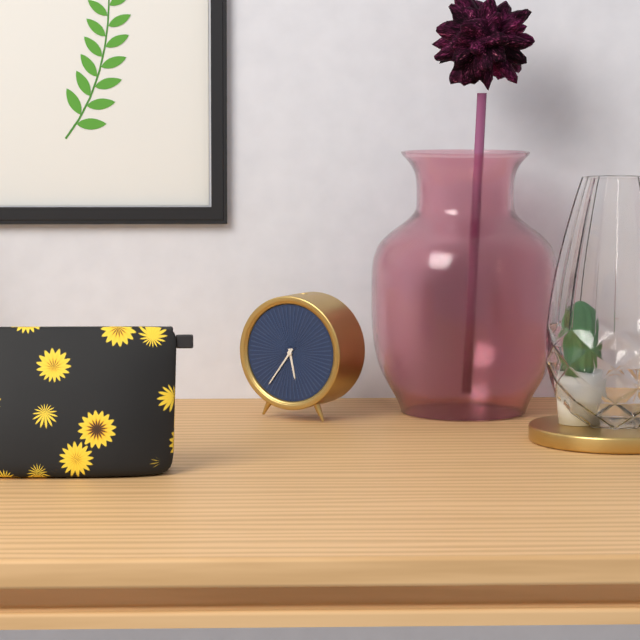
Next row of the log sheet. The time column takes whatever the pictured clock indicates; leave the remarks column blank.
5:36
